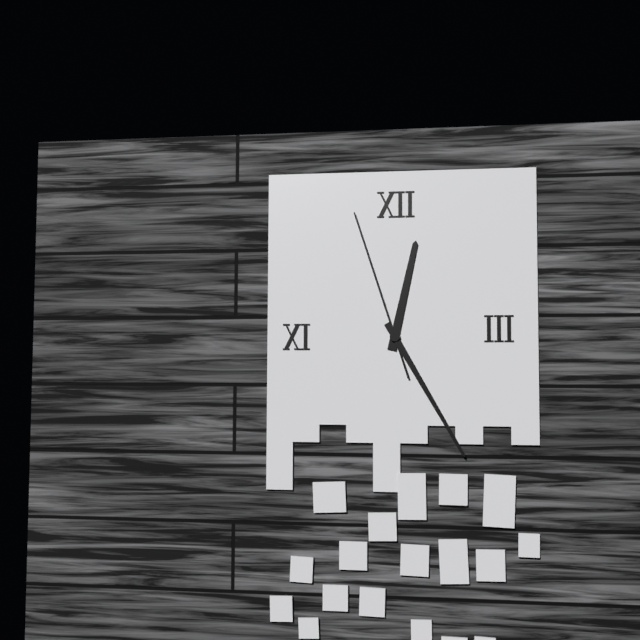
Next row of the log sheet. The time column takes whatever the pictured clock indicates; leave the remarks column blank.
12:25:57
